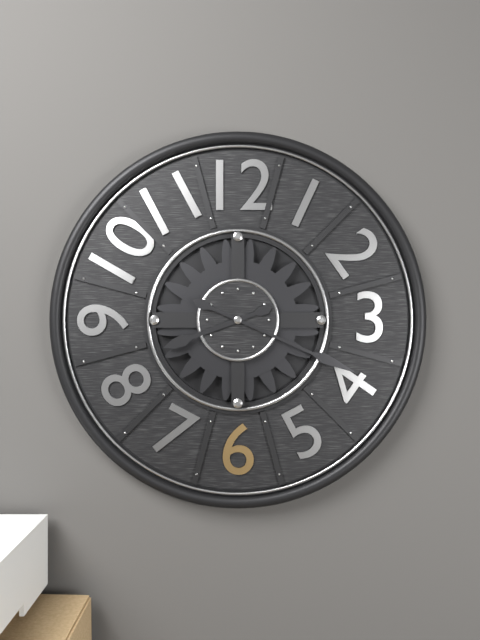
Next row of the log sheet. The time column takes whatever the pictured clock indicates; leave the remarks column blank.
8:19
